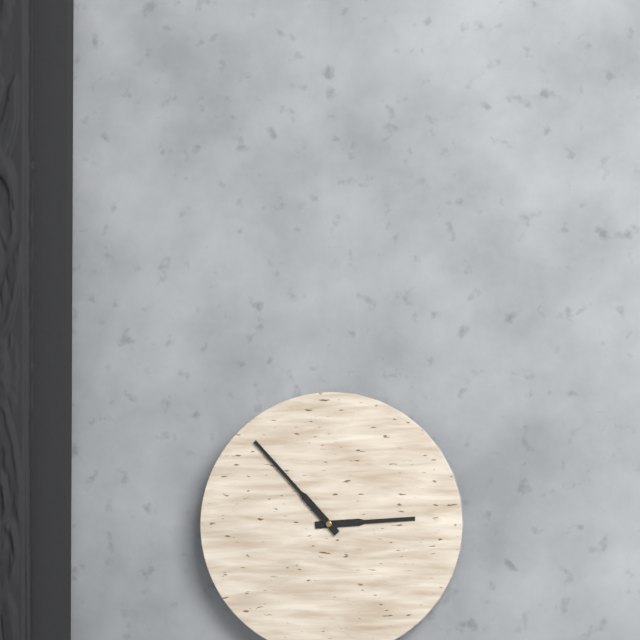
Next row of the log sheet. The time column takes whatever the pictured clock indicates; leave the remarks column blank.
2:53
